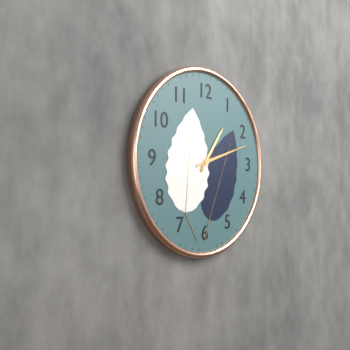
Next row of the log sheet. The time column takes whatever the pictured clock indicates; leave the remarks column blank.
1:12
